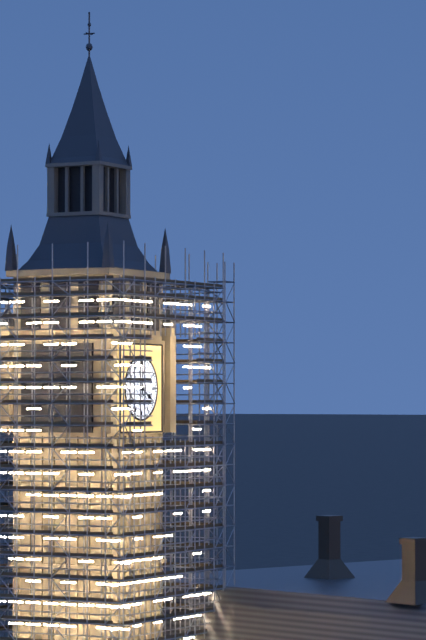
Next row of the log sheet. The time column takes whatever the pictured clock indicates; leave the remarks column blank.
4:00
